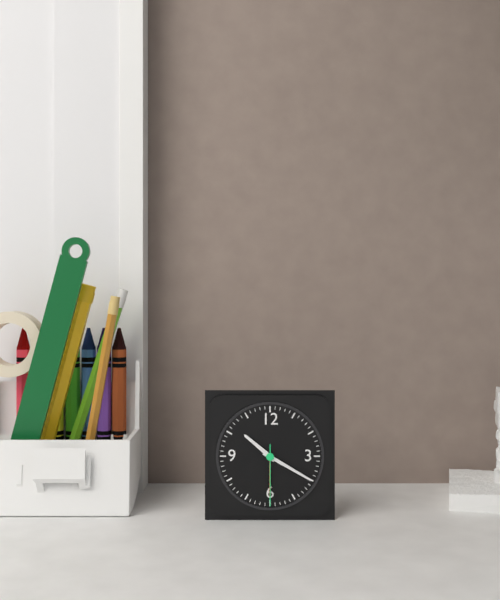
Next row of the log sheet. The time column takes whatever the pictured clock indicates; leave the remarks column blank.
10:20:30
